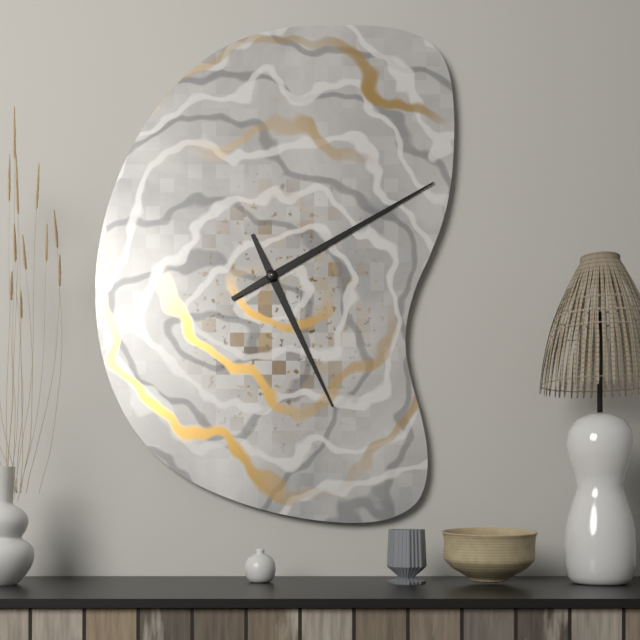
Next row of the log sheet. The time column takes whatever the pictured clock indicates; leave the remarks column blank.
5:10
